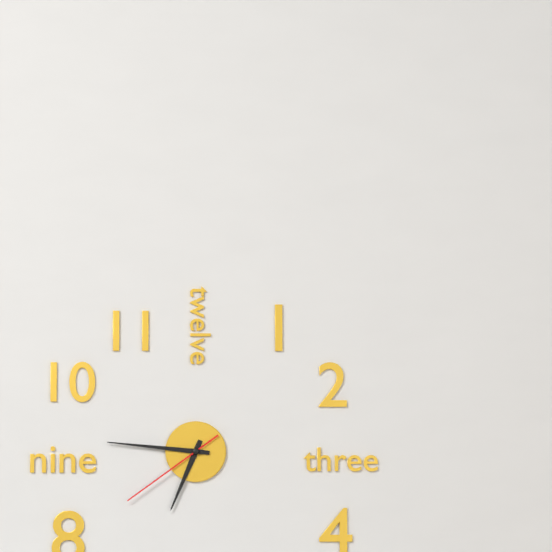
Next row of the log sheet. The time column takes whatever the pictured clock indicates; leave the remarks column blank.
6:46:39
